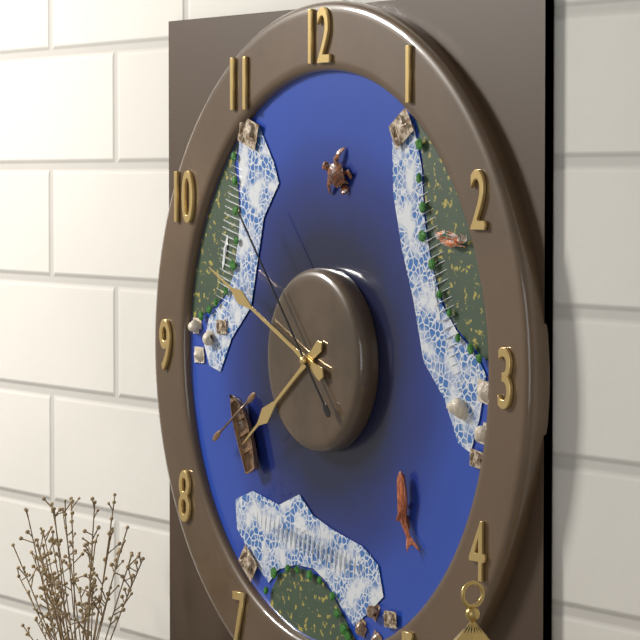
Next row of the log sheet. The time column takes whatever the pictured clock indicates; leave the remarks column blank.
7:49:53
